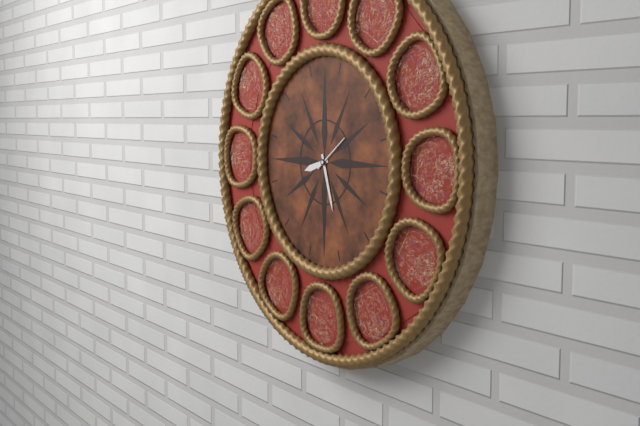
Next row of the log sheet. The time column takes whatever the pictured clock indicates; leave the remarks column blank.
8:27
